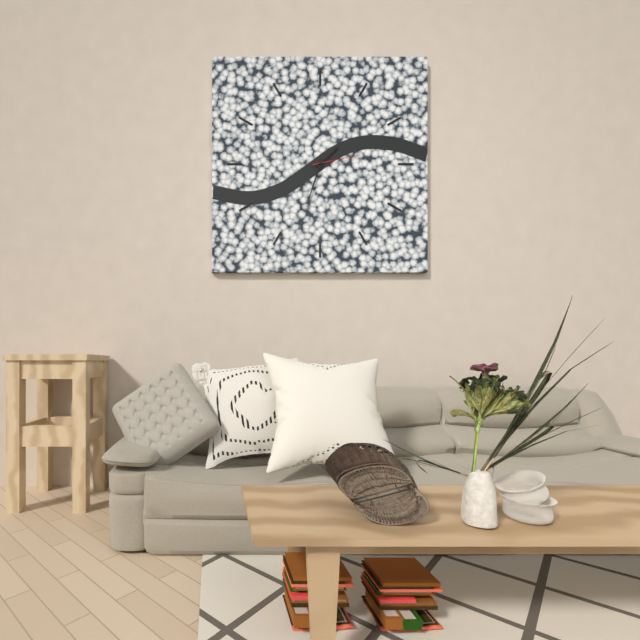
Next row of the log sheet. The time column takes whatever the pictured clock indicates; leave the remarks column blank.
1:33:13
